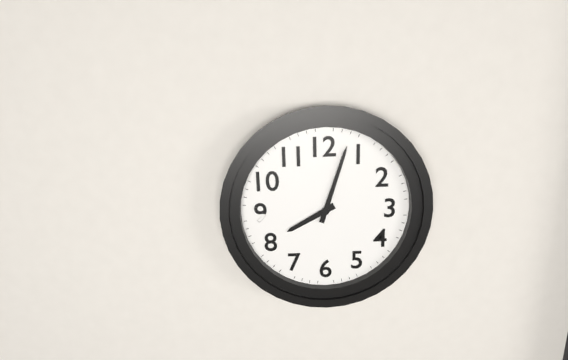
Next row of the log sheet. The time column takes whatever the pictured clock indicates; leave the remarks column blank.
8:03
